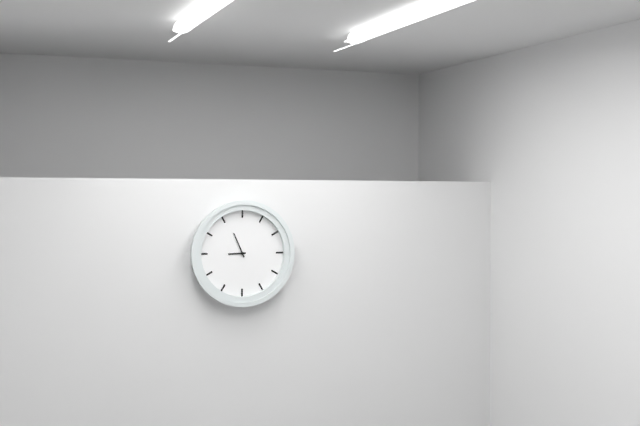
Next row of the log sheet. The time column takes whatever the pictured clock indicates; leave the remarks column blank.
8:56
